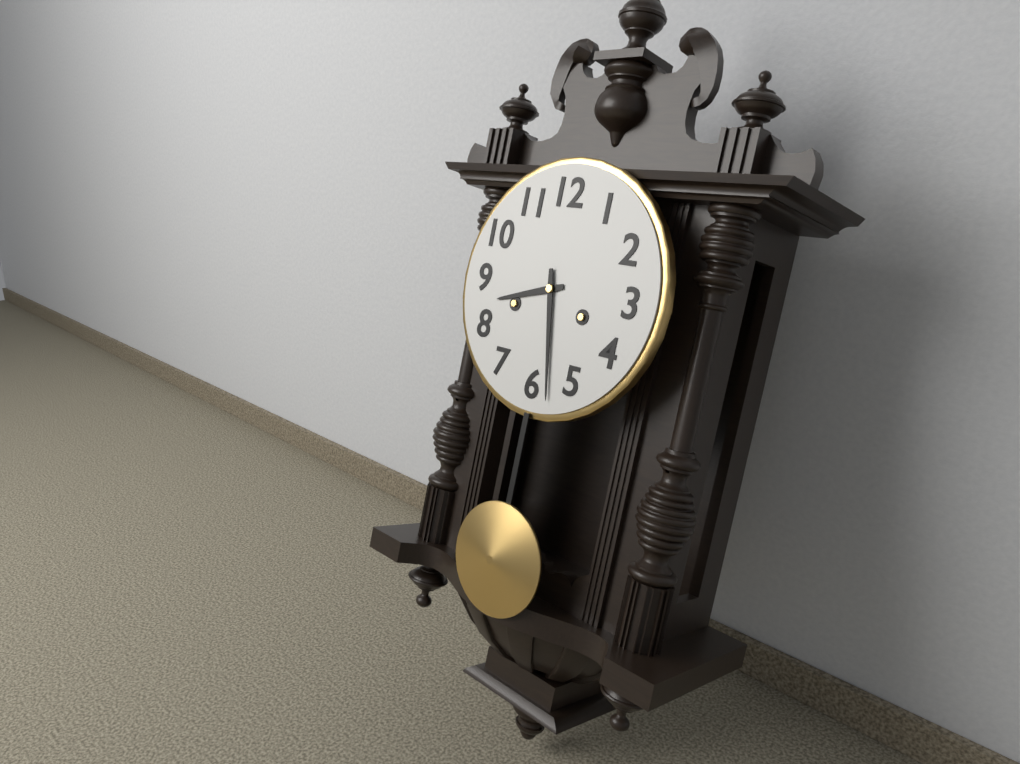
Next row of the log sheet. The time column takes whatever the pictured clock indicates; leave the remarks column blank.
8:28
